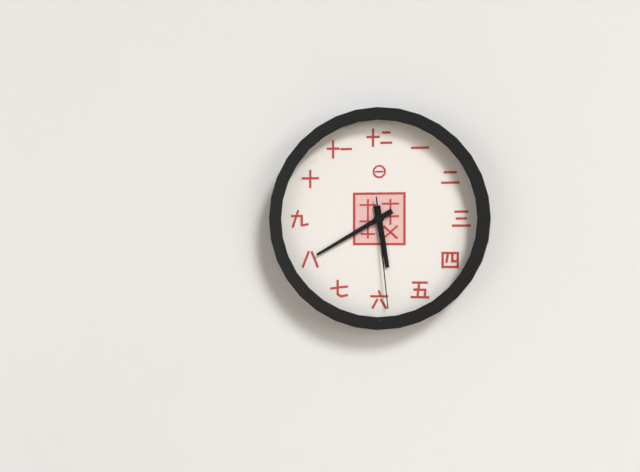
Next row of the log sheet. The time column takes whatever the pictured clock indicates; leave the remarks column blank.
5:40:29
